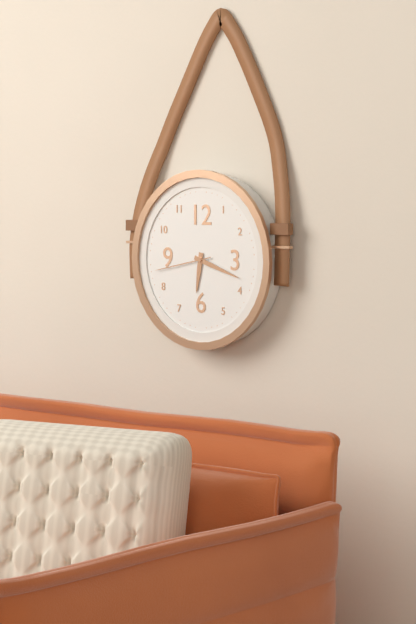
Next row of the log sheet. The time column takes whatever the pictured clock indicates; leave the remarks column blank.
6:18:43
